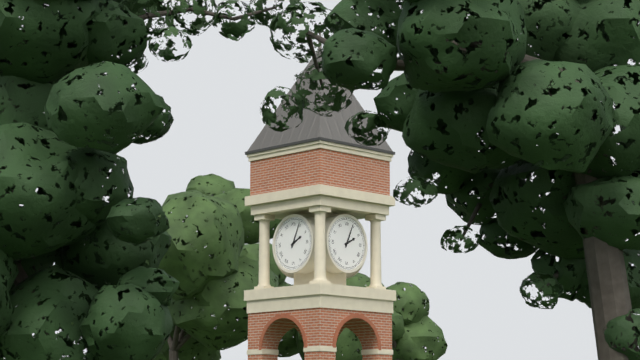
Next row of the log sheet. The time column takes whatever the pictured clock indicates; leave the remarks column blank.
2:04
